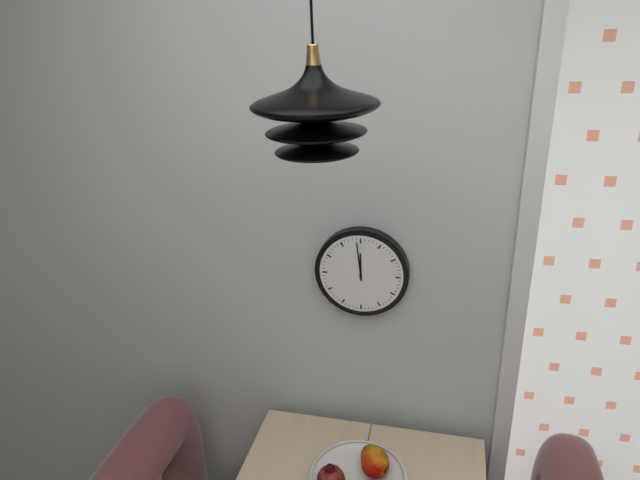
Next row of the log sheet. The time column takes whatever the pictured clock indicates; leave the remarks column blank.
11:59
